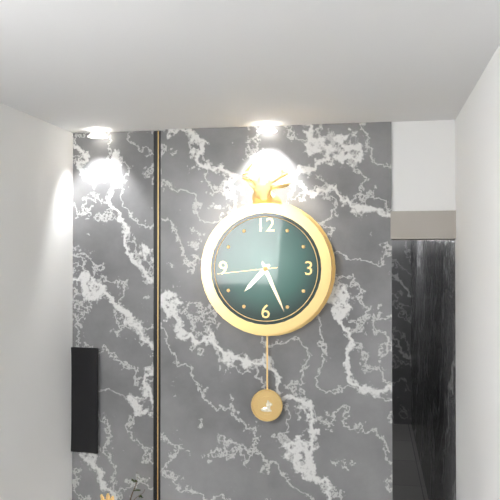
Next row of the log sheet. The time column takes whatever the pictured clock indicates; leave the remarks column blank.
7:26:44
